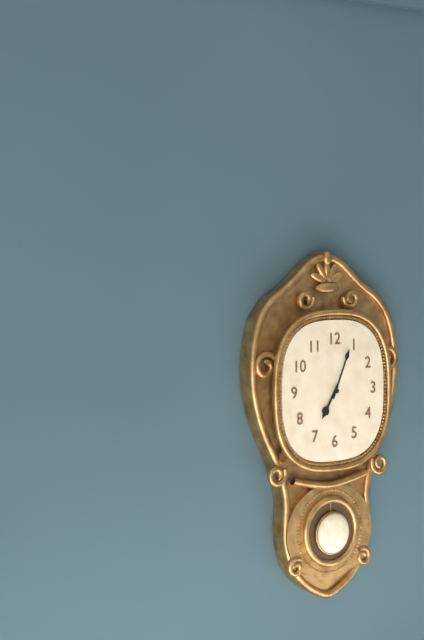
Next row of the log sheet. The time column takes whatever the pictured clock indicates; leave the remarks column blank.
7:04
